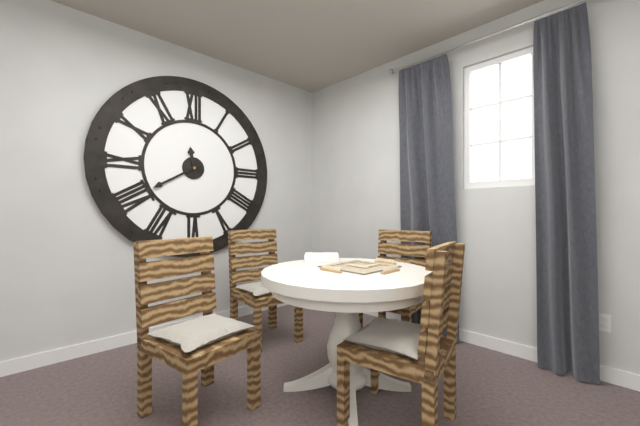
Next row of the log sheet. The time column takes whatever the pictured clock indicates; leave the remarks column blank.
11:40
